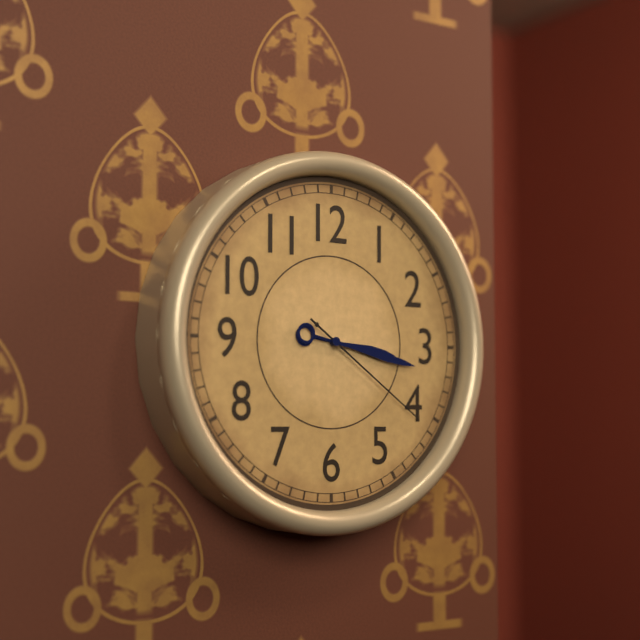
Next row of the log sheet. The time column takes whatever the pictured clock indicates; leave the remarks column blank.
3:17:21
